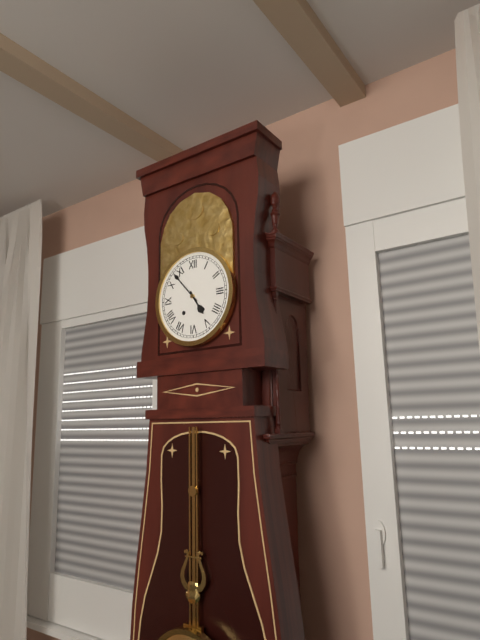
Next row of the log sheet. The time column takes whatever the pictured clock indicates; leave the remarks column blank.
4:53
